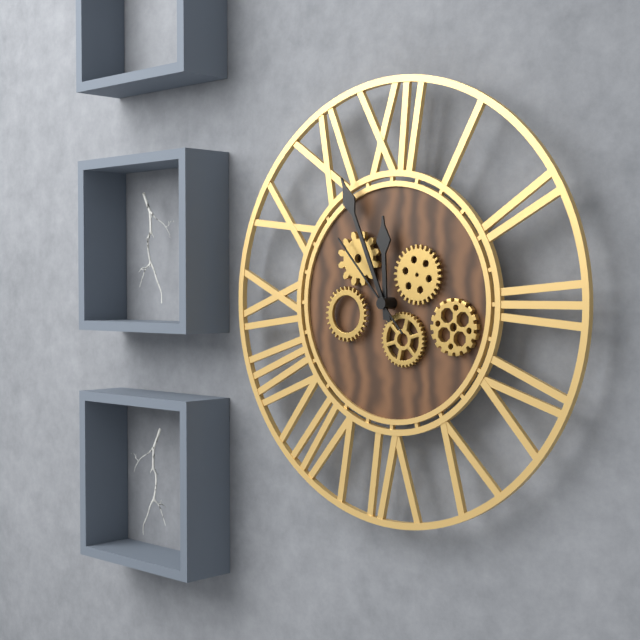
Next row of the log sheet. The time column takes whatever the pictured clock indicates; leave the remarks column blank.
11:56:53
